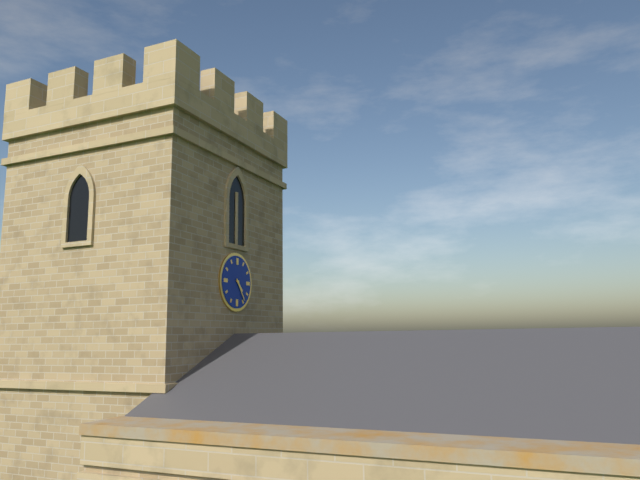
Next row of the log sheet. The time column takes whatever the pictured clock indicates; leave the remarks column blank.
4:24
